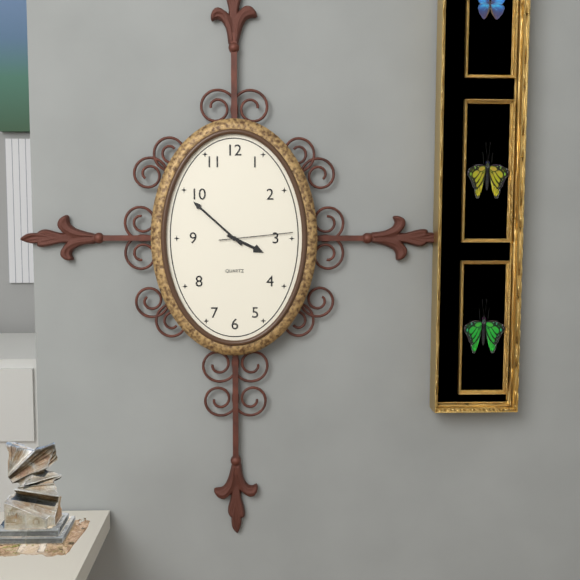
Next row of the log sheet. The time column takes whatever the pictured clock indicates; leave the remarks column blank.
3:52:14
